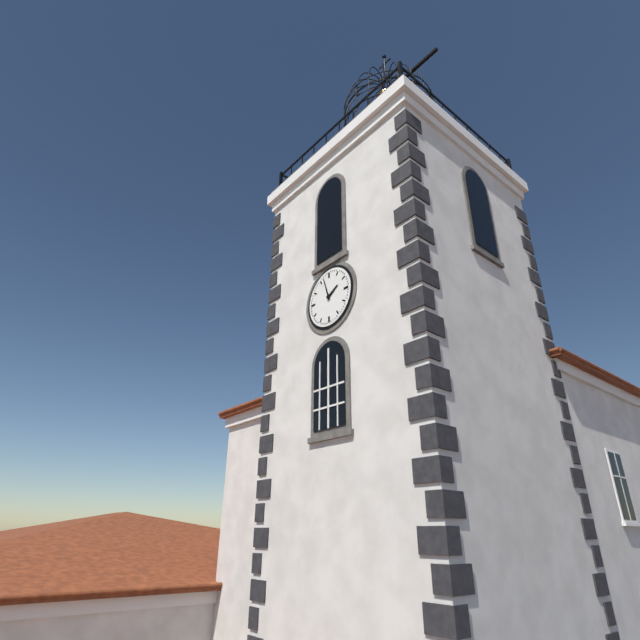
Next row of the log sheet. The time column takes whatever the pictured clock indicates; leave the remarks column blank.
1:57
